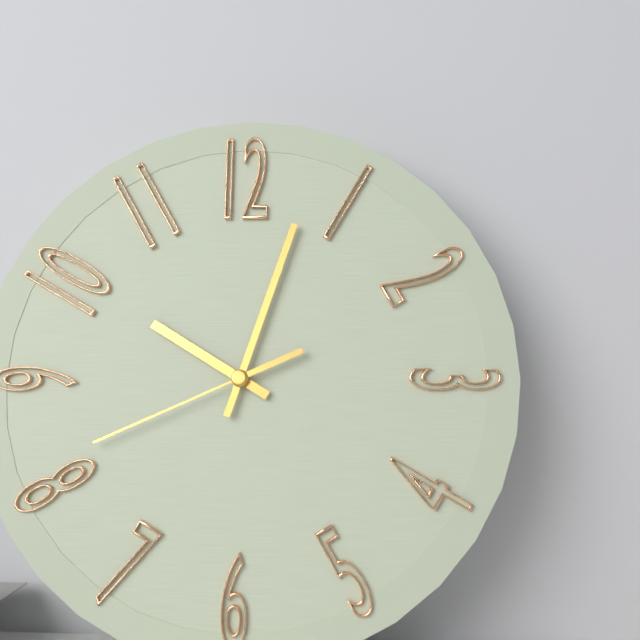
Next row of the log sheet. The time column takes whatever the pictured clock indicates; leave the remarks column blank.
10:03:41
